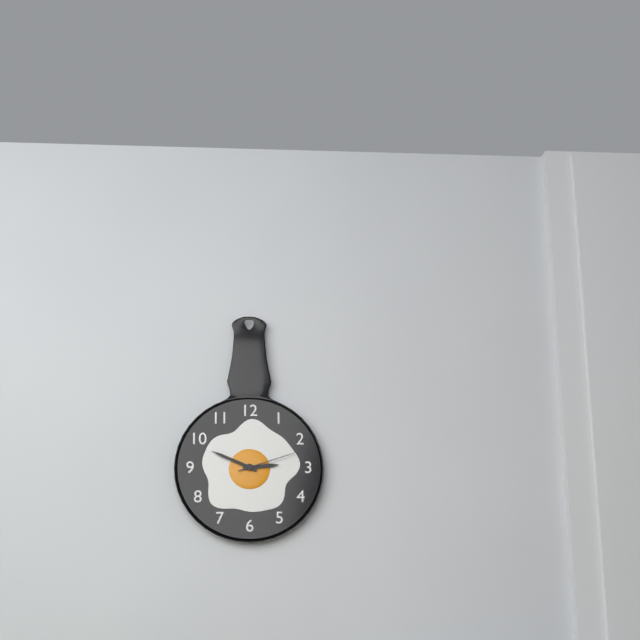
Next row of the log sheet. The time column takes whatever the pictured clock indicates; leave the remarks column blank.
2:49:12
